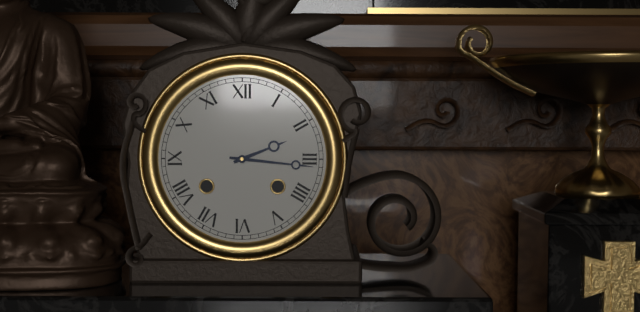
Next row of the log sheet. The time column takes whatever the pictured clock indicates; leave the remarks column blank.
2:16
